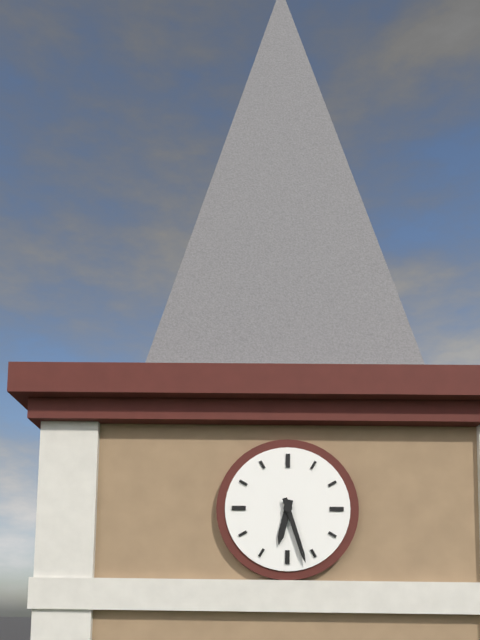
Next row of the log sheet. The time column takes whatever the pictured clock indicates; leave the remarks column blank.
6:27
